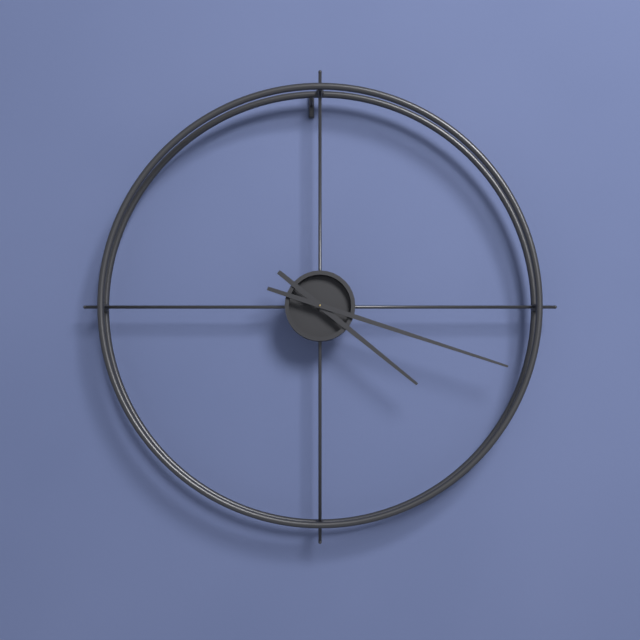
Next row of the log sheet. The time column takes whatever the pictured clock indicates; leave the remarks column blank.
4:18
